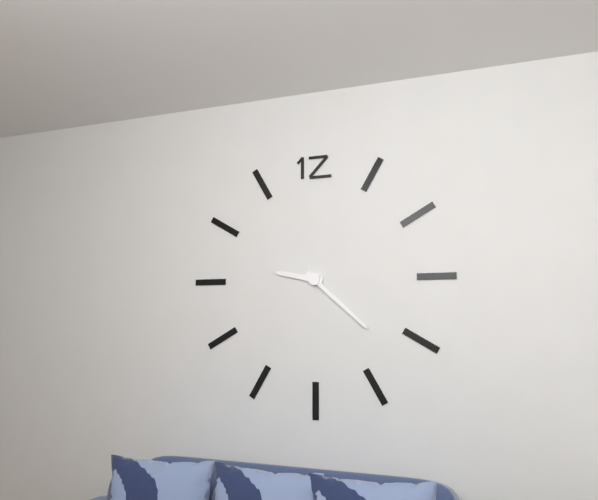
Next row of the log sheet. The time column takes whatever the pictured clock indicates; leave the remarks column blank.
9:22
